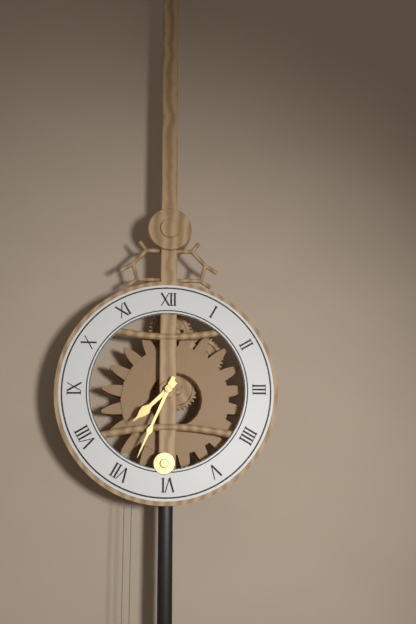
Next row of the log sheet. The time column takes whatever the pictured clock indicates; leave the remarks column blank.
7:34
